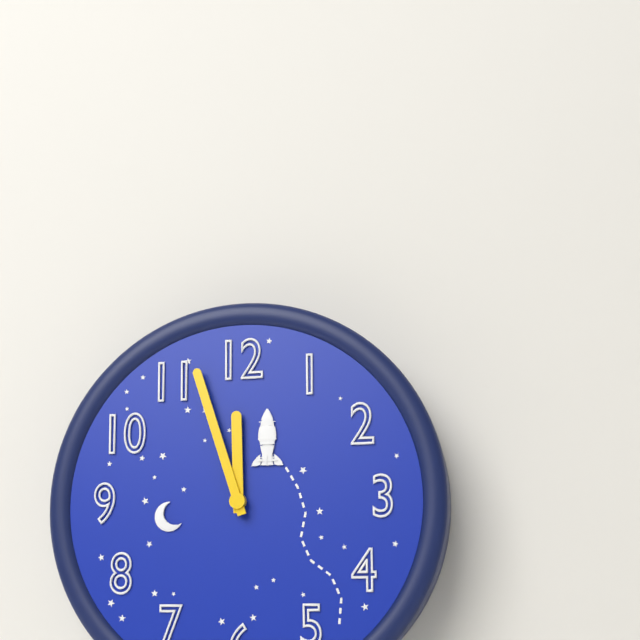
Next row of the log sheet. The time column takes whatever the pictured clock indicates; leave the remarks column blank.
11:57
